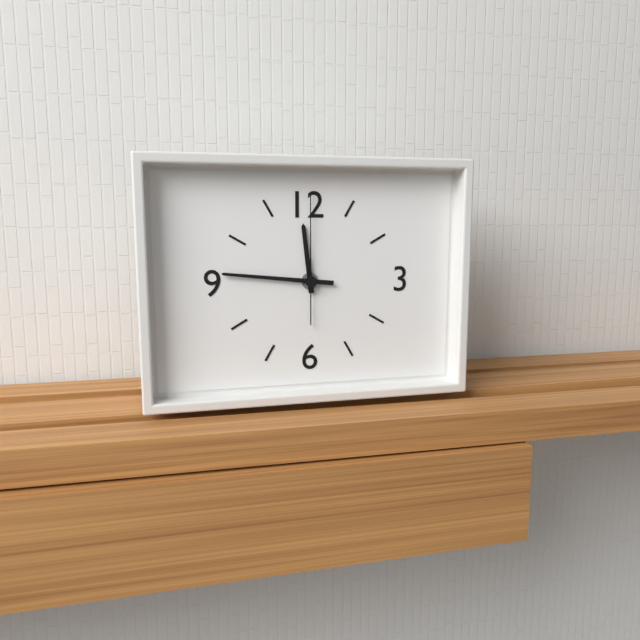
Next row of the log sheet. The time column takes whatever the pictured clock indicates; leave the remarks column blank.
11:46:00
